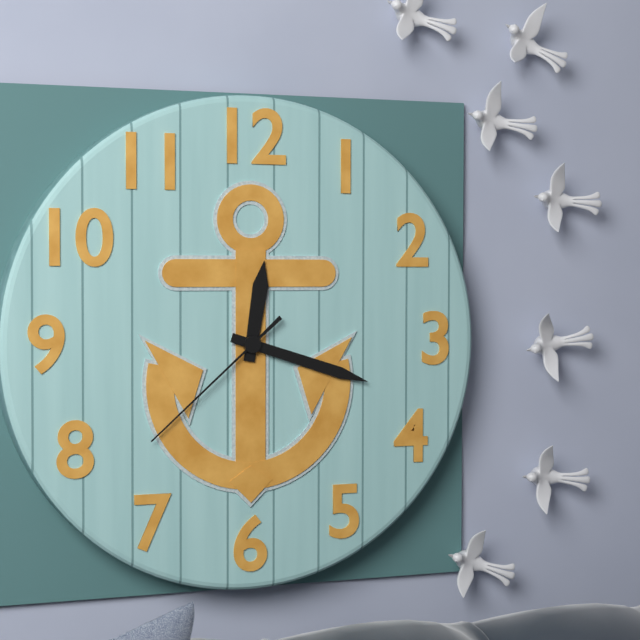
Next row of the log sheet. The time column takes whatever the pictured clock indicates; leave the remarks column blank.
12:18:38
